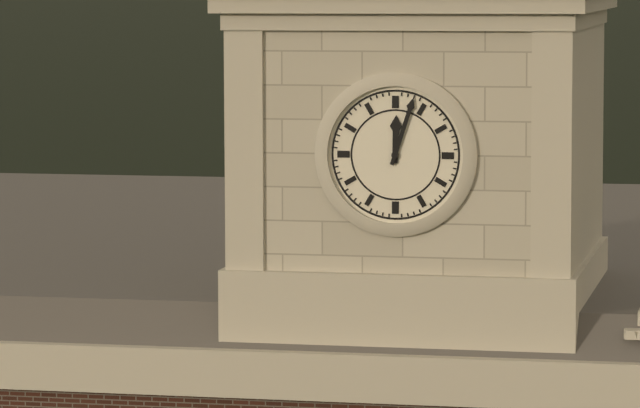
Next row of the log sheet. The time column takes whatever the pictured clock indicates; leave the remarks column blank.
12:03
